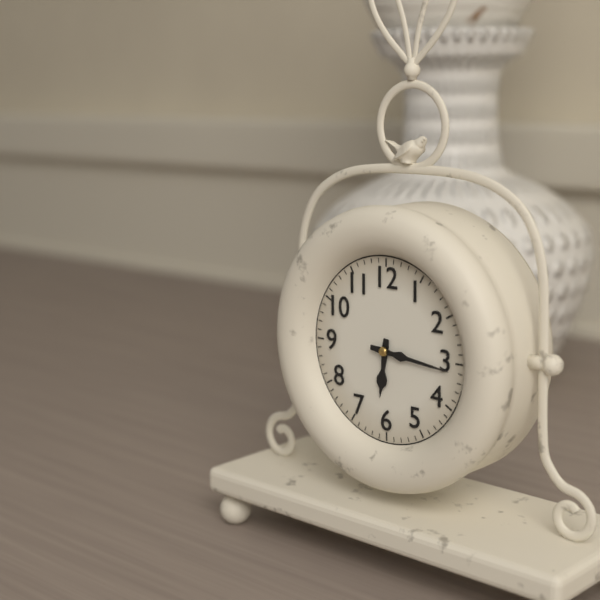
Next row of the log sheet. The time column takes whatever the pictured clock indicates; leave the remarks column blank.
6:16
